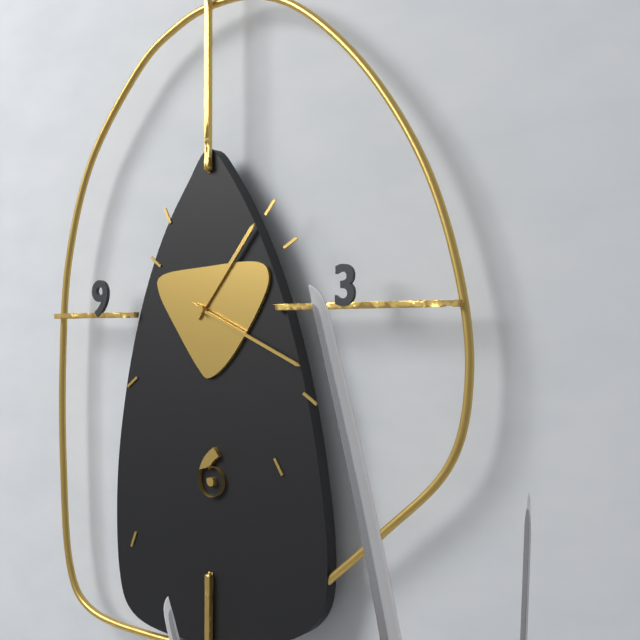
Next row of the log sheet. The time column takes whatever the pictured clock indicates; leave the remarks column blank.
1:19
